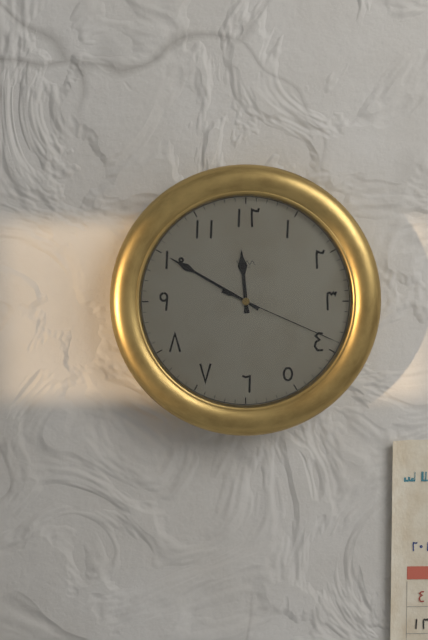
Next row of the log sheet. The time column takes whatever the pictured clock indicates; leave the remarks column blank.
11:50:19
